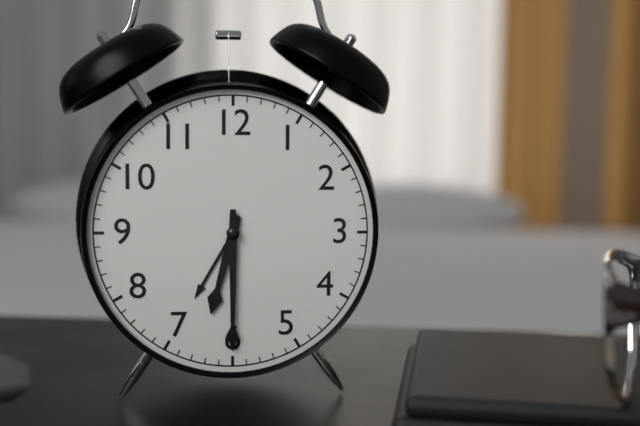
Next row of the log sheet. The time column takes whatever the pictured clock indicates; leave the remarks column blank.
6:30
